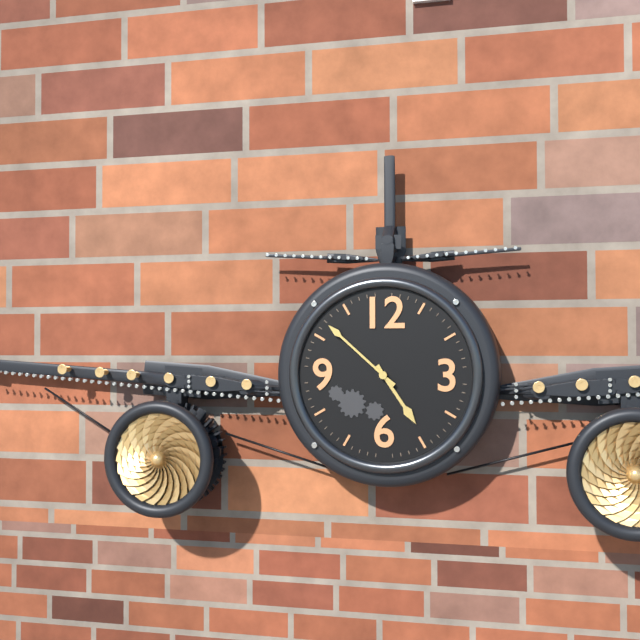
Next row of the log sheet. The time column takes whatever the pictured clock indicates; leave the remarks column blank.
4:52
